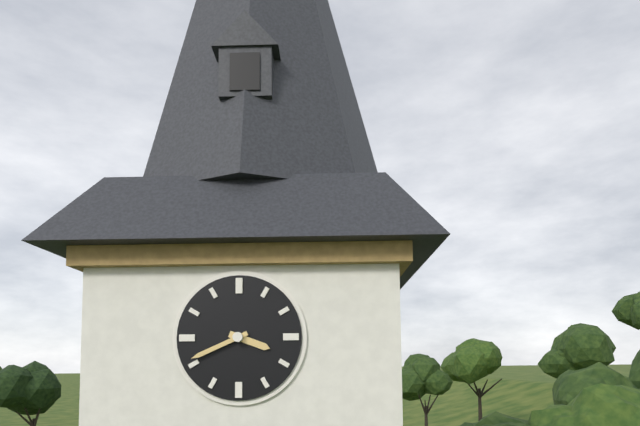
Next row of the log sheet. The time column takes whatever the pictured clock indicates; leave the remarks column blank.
3:41
